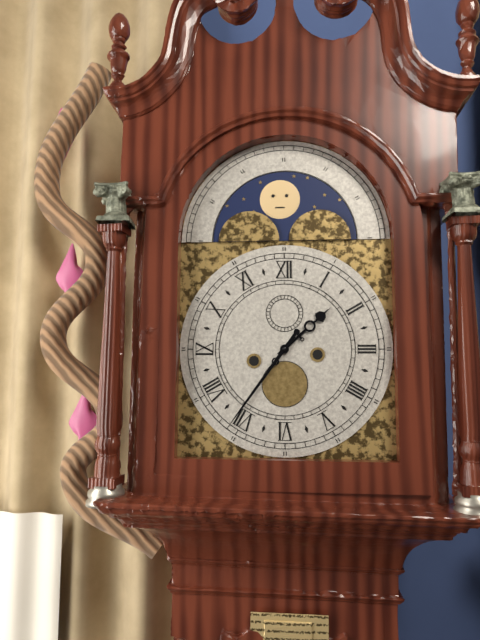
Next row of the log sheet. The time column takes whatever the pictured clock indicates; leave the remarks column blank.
1:36
